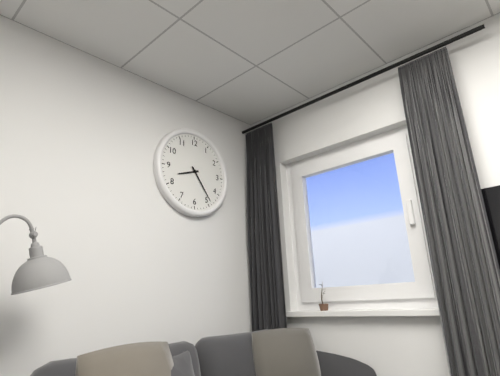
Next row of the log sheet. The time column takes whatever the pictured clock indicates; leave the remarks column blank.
8:24
